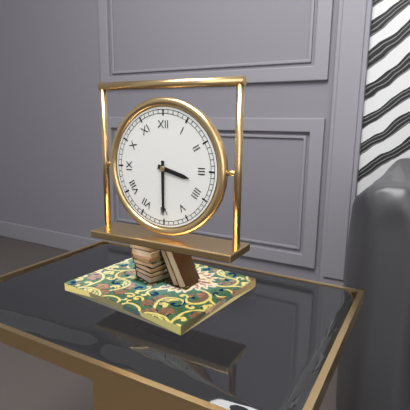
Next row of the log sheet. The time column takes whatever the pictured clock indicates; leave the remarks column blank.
3:30
